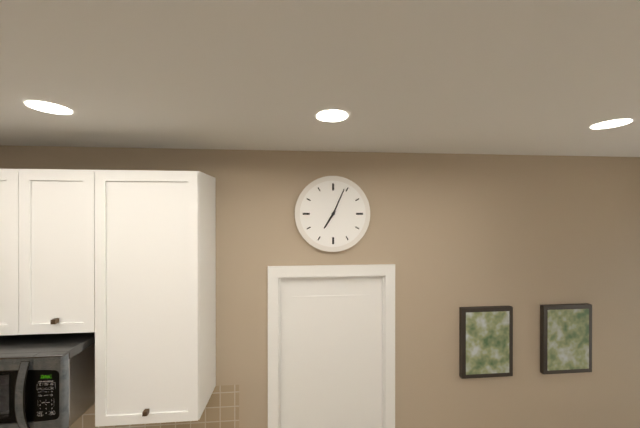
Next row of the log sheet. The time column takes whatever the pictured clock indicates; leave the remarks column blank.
7:04
